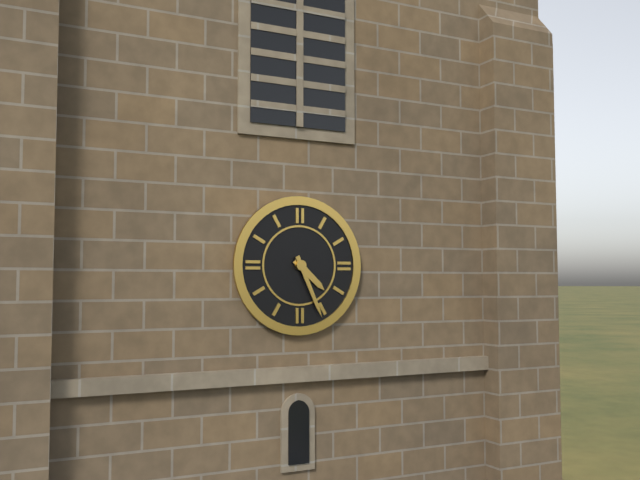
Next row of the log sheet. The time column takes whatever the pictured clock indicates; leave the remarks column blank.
4:26
